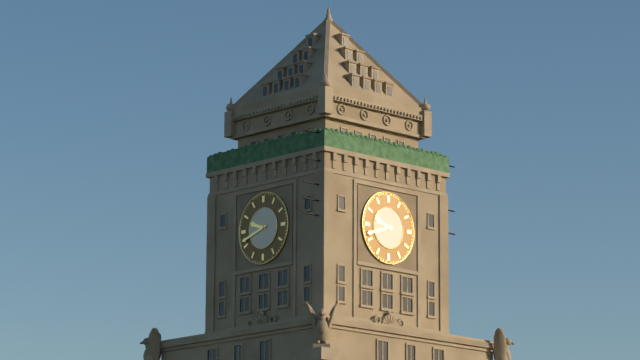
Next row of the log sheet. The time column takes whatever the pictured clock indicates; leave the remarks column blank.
9:42
